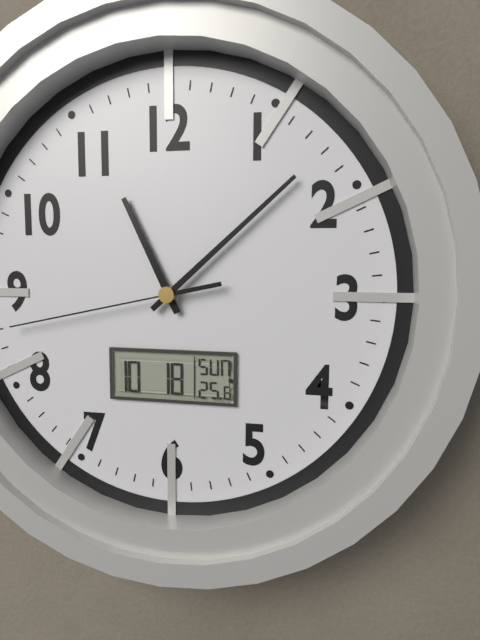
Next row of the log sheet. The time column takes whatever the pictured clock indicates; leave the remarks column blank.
11:08:43
